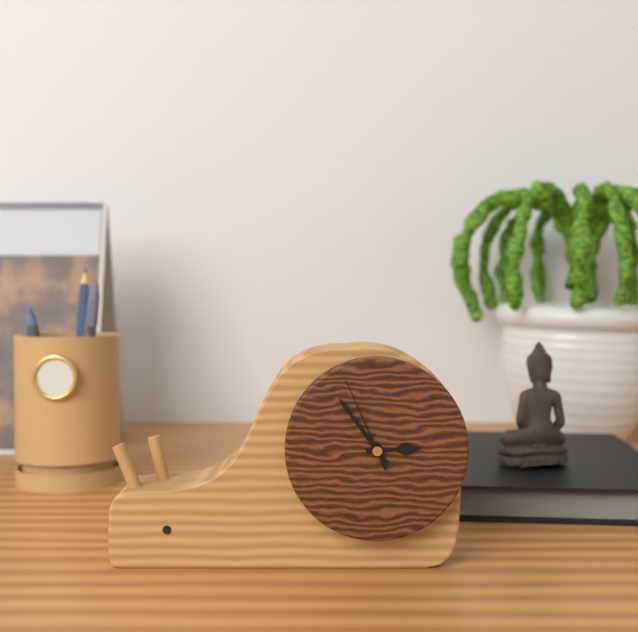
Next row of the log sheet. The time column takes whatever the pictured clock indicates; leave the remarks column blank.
2:54:56
